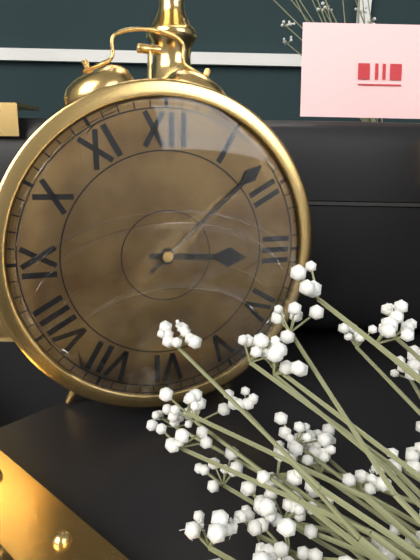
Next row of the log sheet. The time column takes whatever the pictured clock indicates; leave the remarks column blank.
3:08
